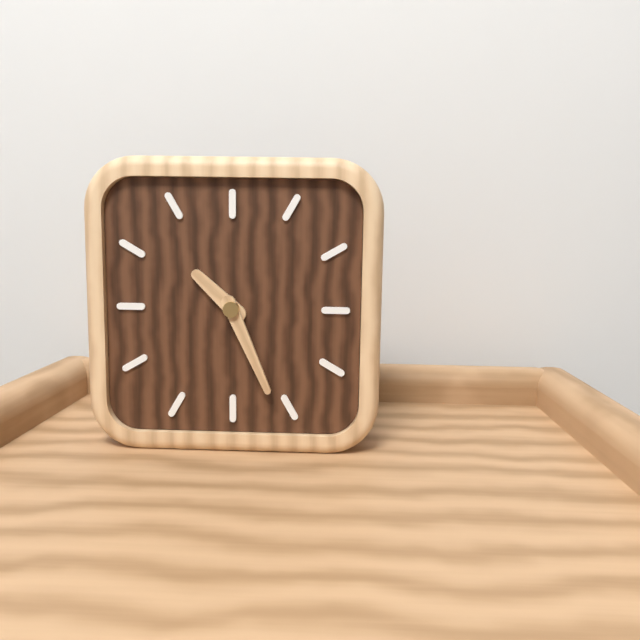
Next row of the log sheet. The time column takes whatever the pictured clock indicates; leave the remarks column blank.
10:26
